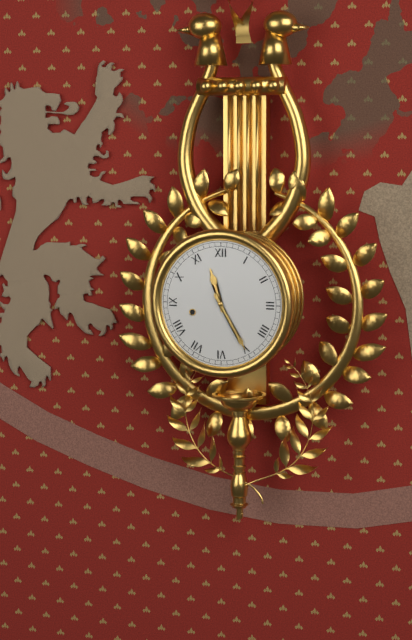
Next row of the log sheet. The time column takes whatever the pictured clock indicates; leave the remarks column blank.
11:25
